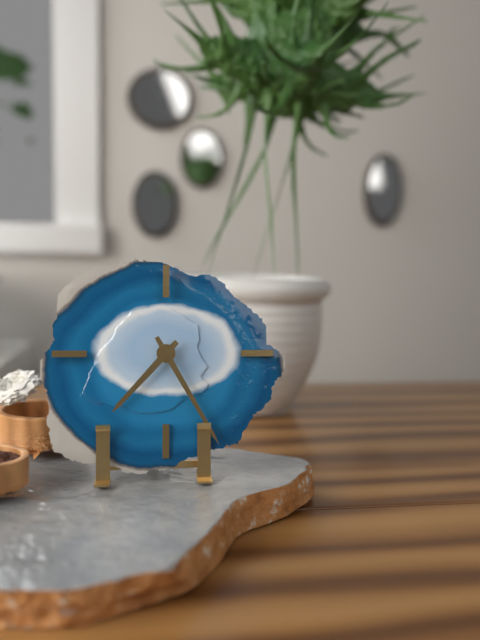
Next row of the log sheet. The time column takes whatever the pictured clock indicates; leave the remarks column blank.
7:25
